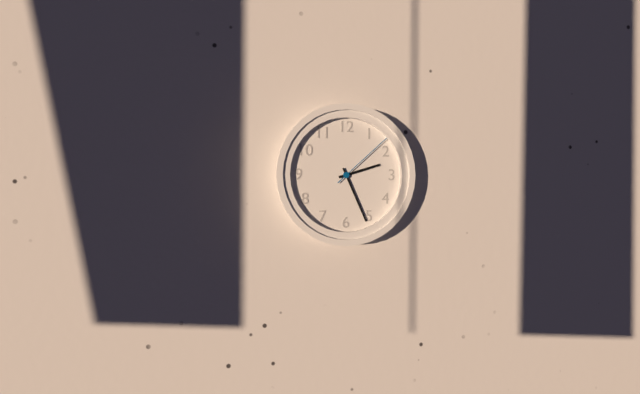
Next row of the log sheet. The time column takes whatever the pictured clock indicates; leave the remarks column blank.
2:26:08
